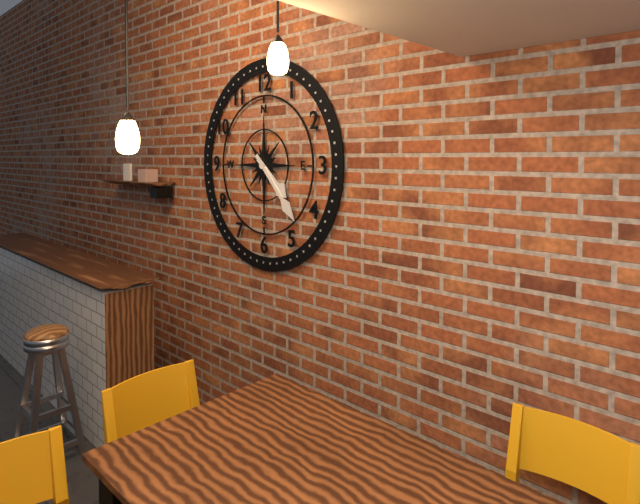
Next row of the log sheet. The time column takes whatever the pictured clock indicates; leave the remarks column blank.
4:23
